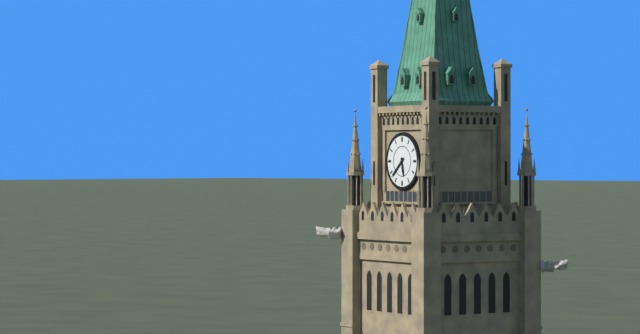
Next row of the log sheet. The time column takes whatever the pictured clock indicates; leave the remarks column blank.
5:38
